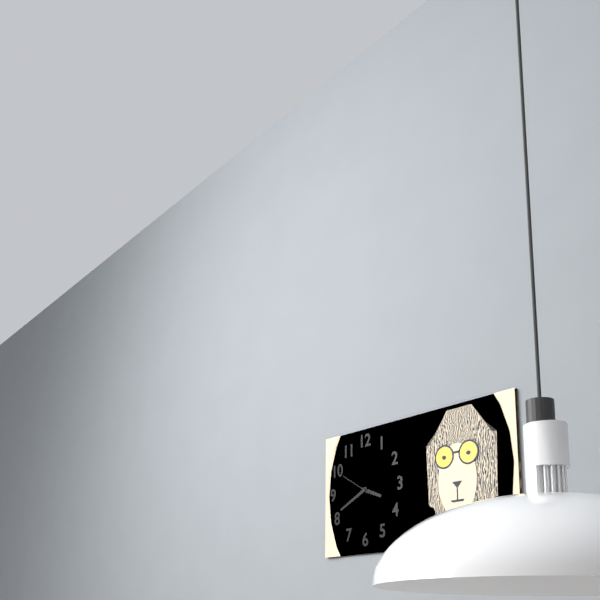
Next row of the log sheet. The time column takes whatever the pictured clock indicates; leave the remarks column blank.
3:41
